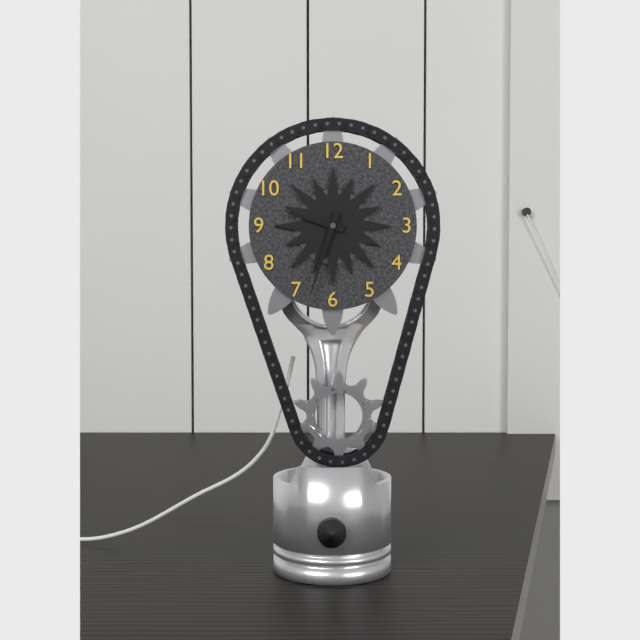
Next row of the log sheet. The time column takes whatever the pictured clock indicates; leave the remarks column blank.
9:33
